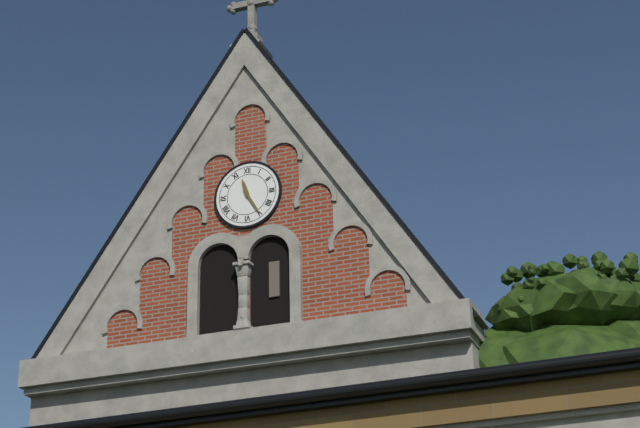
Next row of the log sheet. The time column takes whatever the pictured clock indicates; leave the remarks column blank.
11:25
